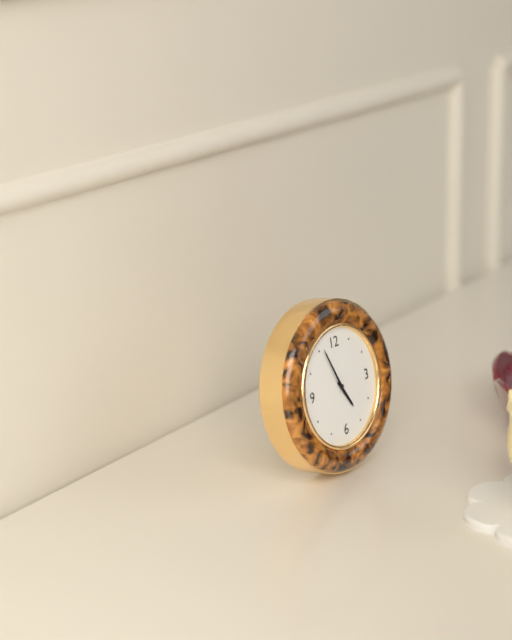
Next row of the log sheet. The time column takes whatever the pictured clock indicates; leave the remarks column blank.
4:56
